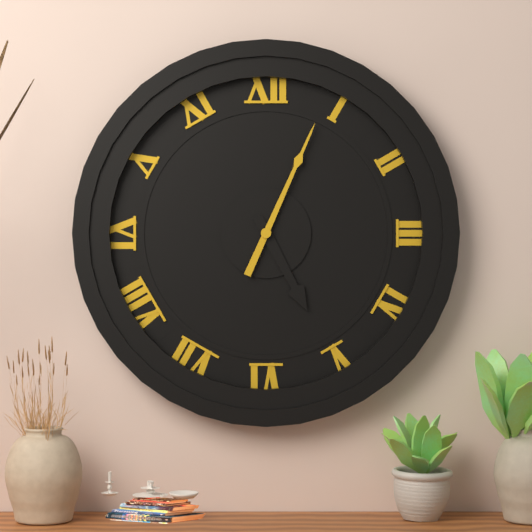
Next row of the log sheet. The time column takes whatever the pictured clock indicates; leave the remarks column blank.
5:04
